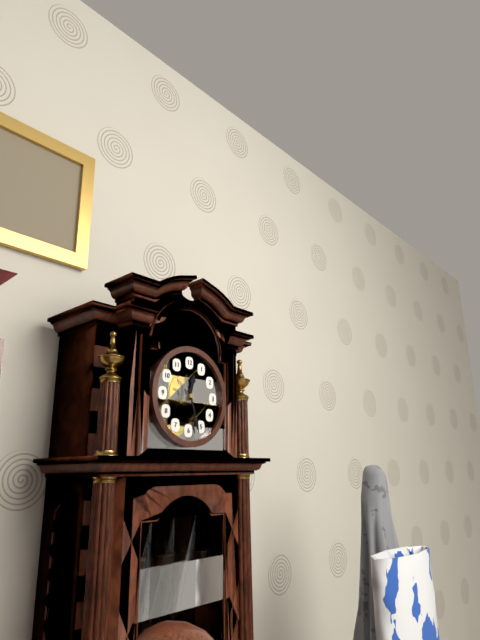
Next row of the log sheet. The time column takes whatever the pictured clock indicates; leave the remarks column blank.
12:27
